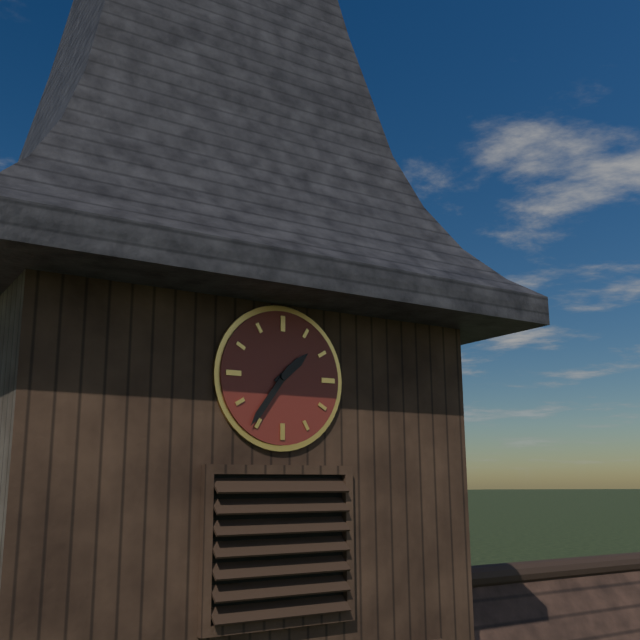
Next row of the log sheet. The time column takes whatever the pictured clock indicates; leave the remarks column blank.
1:36
